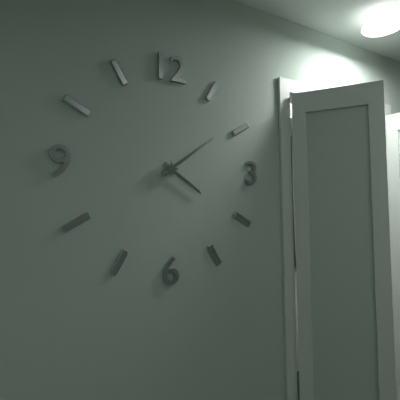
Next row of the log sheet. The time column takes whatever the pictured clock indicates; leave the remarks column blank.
4:09
